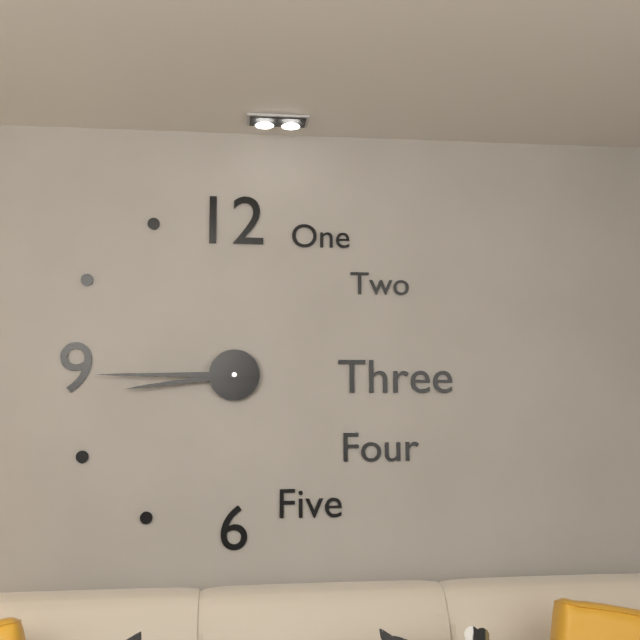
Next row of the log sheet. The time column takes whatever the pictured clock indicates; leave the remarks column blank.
8:45
